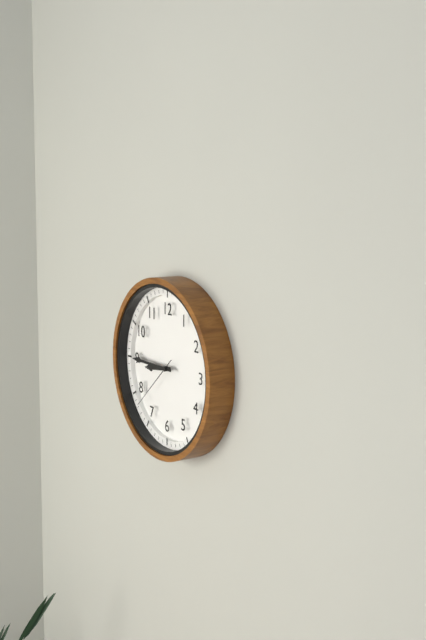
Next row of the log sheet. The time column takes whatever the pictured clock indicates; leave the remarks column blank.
8:45:38
